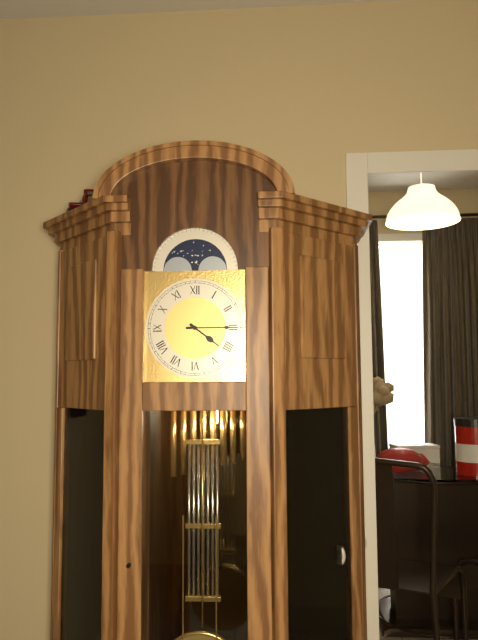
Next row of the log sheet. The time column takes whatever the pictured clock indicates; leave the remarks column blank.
4:15
